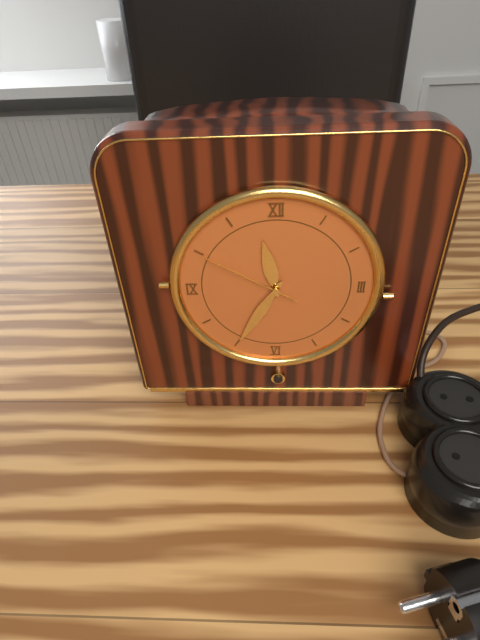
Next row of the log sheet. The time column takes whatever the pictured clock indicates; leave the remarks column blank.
11:35:50
